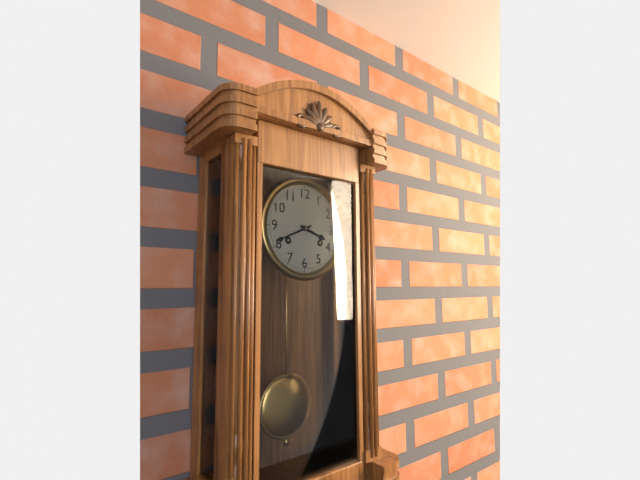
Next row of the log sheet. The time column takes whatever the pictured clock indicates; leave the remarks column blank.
3:41
